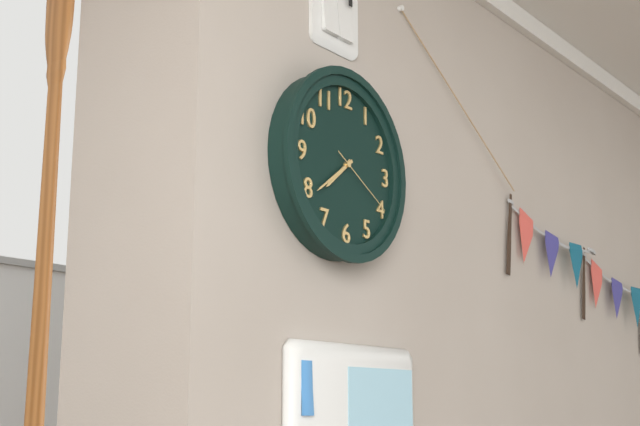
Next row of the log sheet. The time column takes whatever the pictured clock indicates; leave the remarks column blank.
7:39:20
